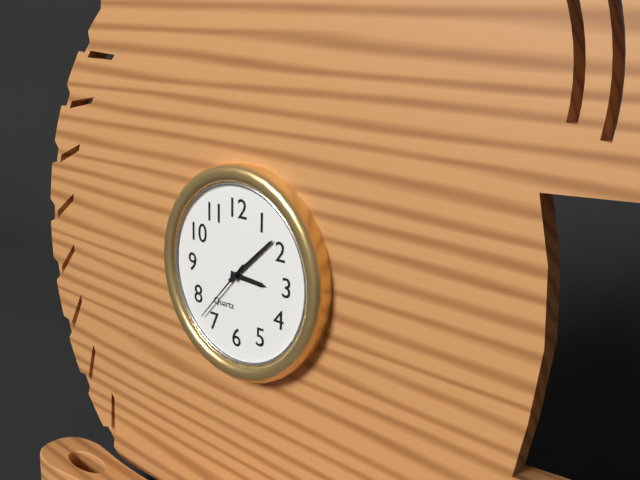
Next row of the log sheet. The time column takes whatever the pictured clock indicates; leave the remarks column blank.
3:08:37
